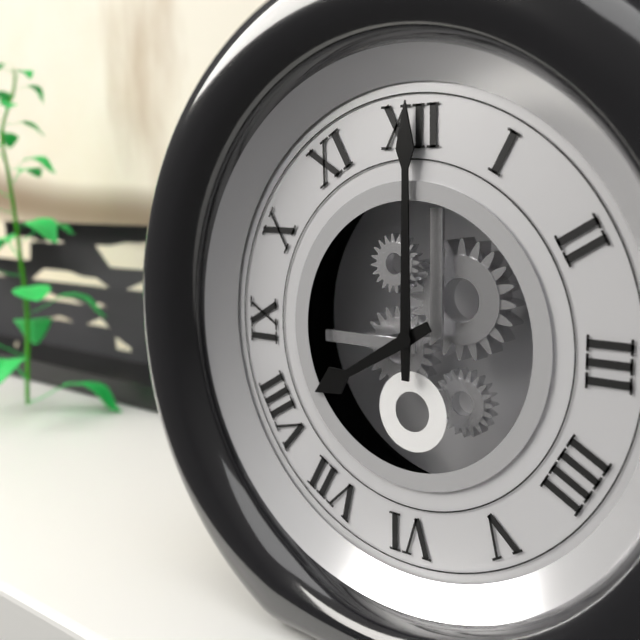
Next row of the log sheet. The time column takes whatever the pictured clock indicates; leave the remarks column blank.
8:00
